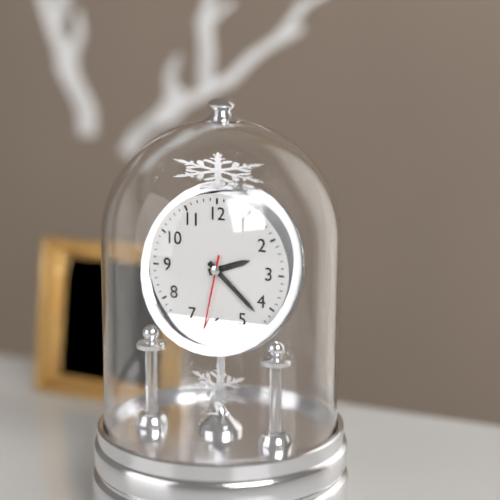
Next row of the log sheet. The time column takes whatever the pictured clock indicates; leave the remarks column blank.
2:22:32
